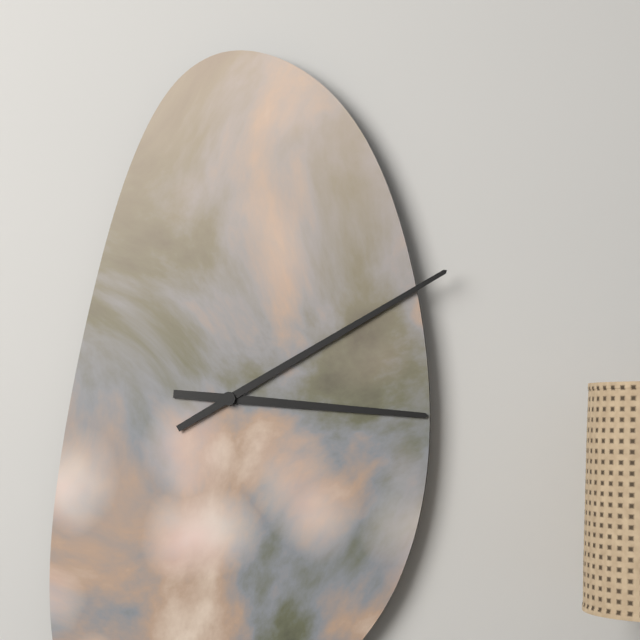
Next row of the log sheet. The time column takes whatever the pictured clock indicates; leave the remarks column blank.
3:10
